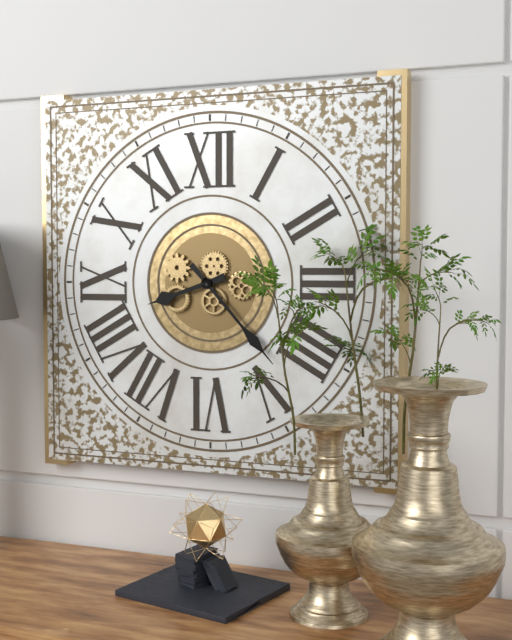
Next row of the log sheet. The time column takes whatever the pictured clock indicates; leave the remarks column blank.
8:23
